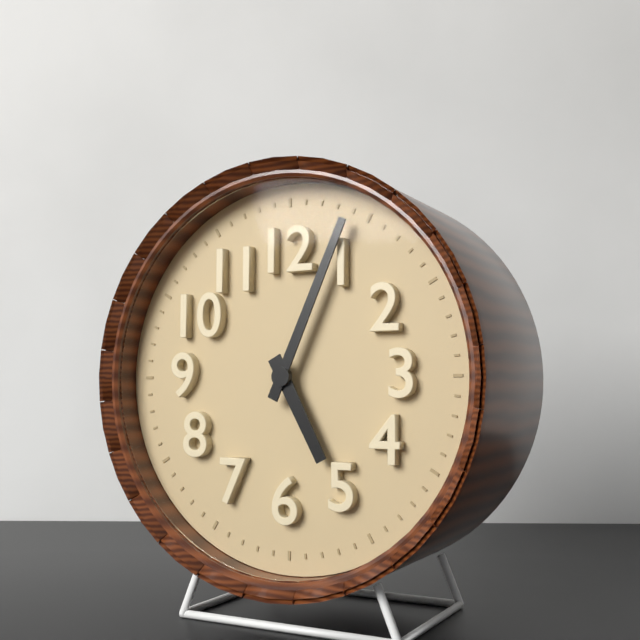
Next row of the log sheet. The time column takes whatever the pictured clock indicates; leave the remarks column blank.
5:04
